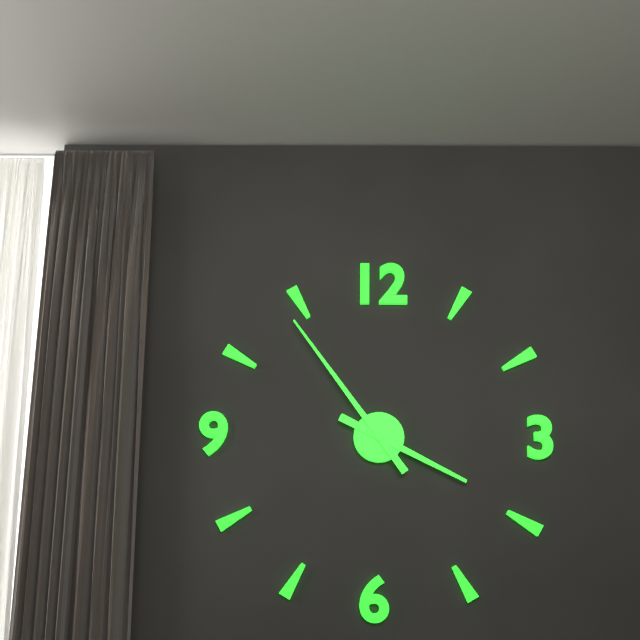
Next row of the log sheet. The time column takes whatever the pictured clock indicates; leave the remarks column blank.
3:54
